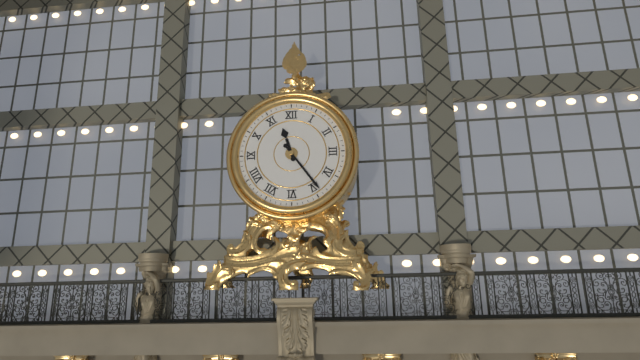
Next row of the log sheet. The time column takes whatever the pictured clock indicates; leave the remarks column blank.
11:24
